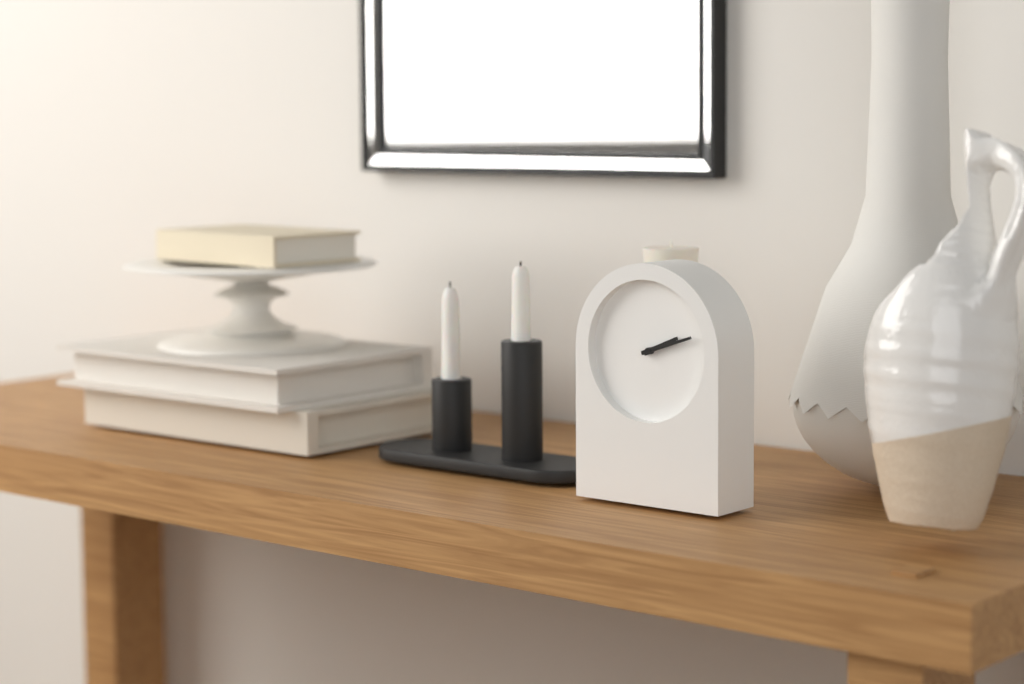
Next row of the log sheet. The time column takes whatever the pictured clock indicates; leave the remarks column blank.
2:12
